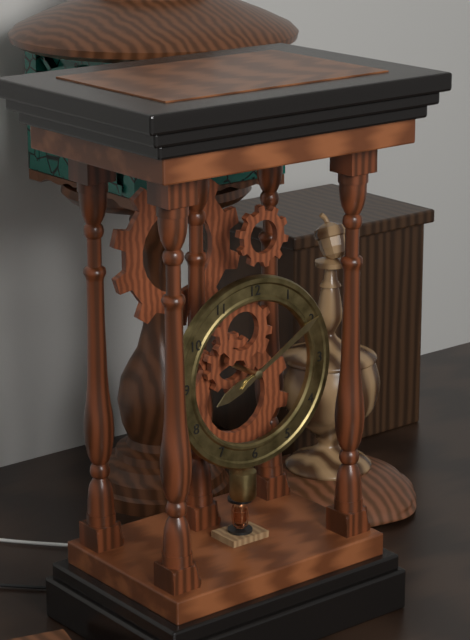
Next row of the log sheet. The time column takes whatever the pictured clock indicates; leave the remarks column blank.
8:10
